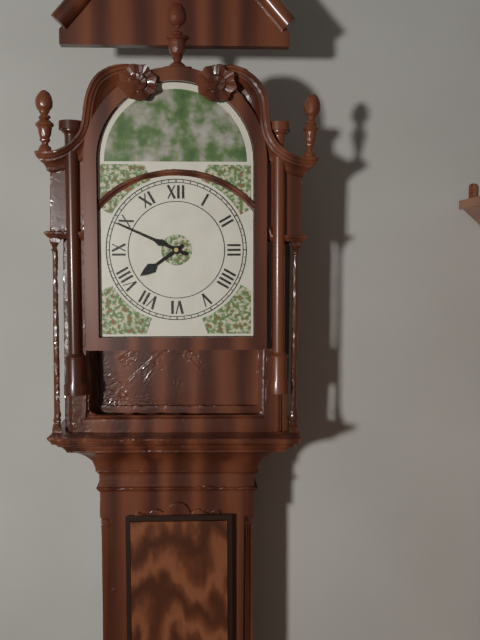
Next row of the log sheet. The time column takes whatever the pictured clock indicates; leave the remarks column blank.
7:49
